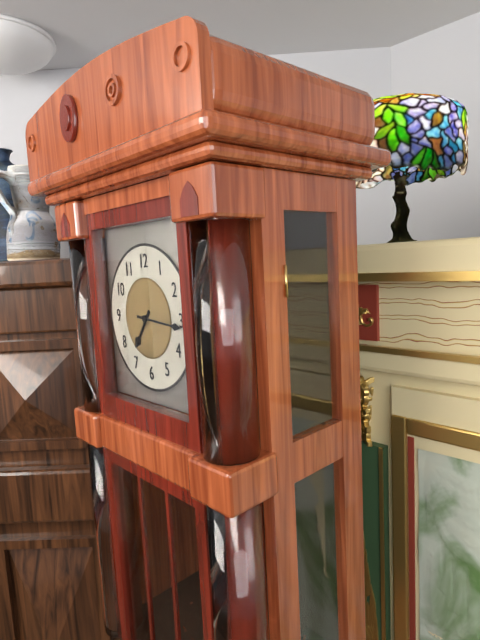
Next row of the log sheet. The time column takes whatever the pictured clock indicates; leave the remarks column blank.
7:16
